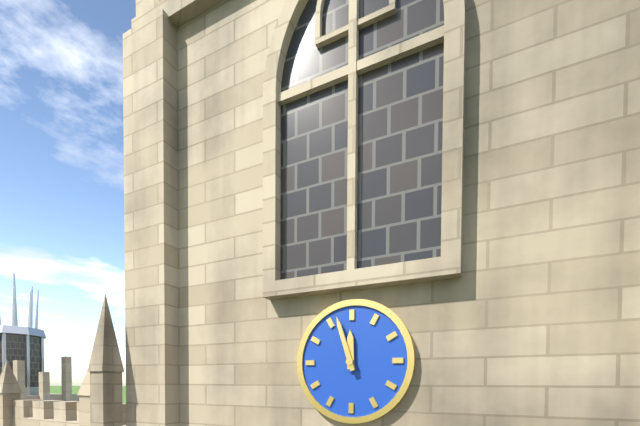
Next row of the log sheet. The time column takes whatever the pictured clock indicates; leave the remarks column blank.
11:57
